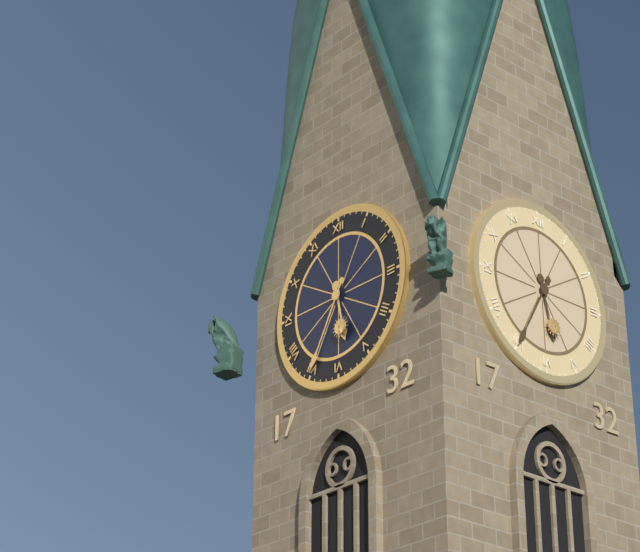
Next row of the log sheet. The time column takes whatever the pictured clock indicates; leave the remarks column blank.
5:35
